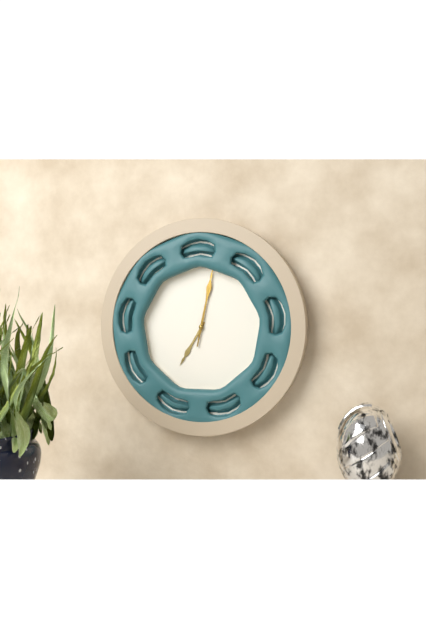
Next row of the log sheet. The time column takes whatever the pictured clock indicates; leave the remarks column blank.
7:02
